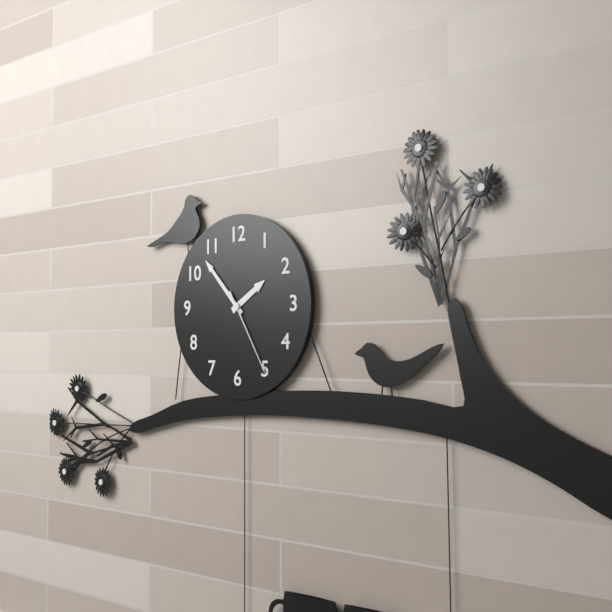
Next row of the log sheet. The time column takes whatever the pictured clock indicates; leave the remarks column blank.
1:53:25
